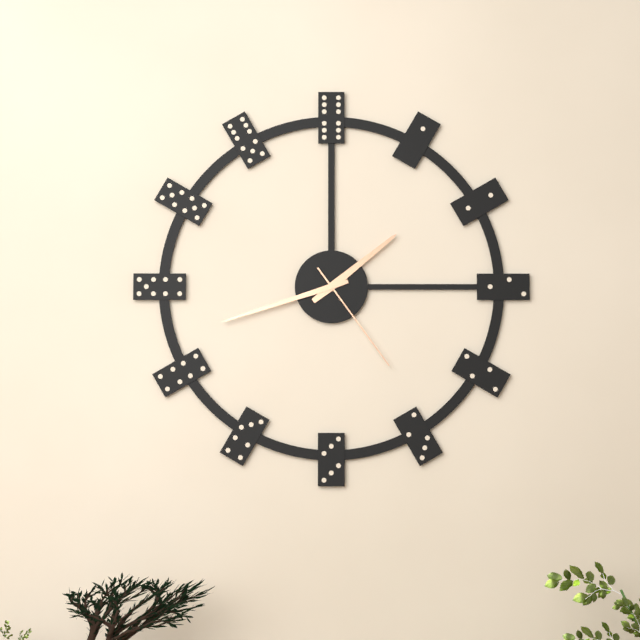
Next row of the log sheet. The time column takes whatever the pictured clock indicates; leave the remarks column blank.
1:42:24
